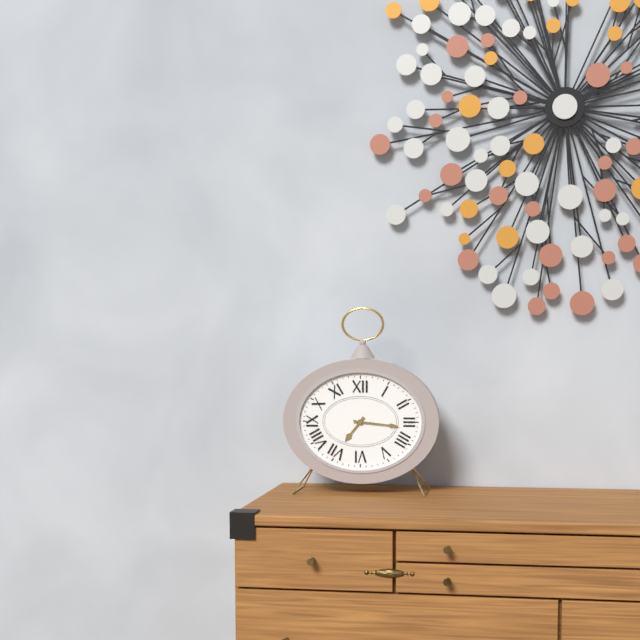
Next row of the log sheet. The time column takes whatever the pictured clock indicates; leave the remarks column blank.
7:16
